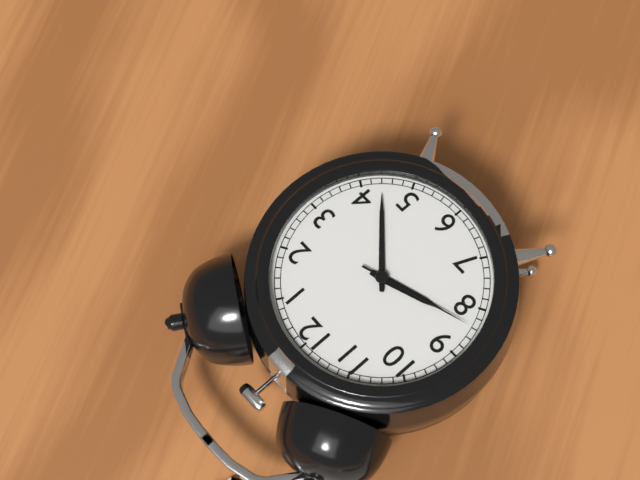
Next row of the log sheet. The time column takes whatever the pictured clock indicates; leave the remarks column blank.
8:22:42
